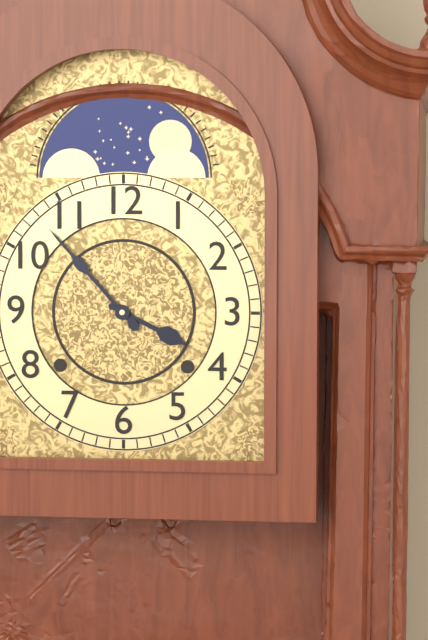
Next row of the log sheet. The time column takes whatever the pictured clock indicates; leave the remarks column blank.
3:53
